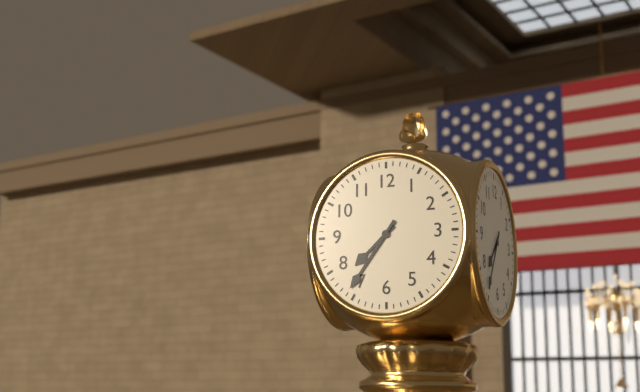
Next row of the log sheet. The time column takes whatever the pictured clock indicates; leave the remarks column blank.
7:36
